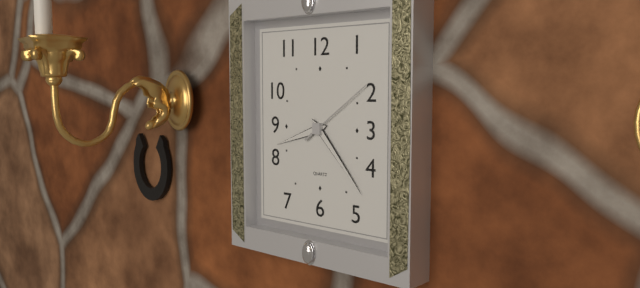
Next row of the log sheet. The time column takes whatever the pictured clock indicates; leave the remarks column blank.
8:23:09
